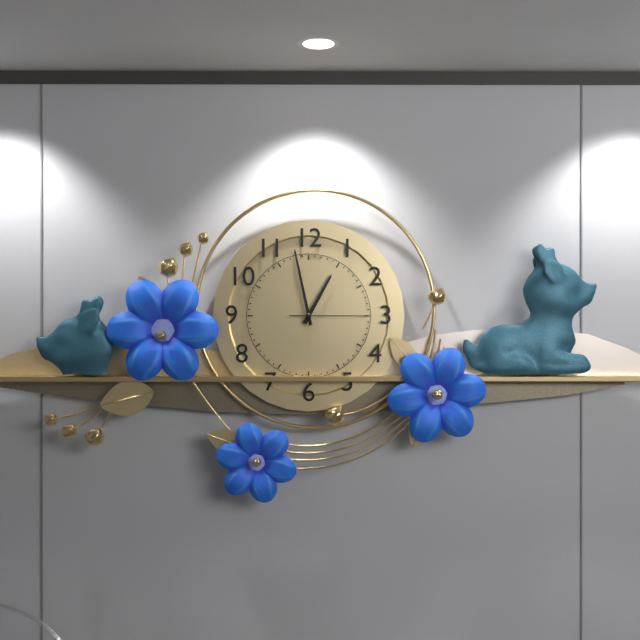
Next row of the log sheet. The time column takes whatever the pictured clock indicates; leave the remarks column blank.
12:58:15
